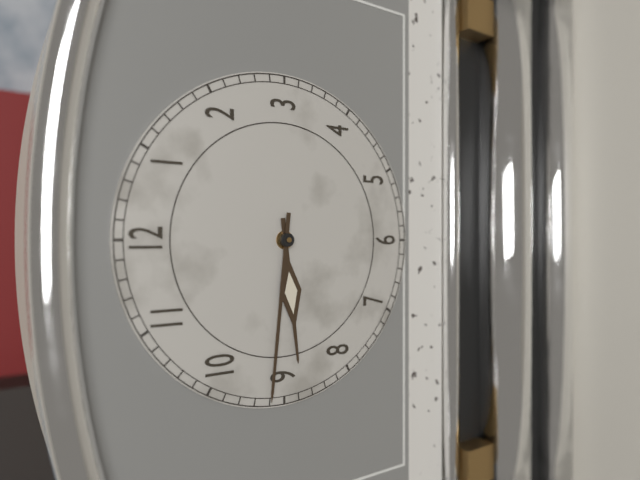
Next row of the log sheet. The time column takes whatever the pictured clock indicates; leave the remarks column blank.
8:46
